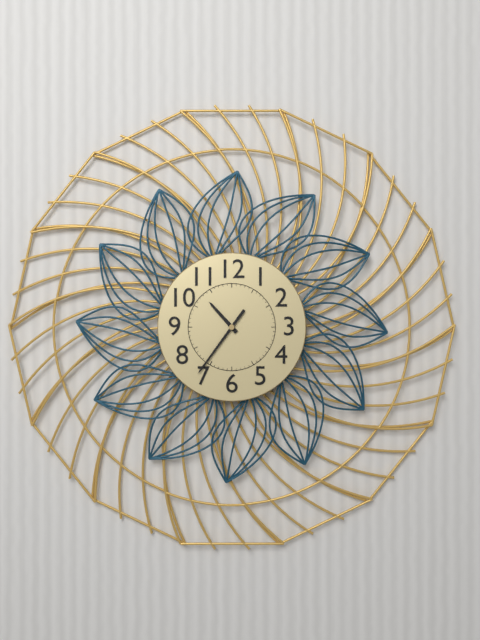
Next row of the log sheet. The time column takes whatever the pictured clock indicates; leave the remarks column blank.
10:36
